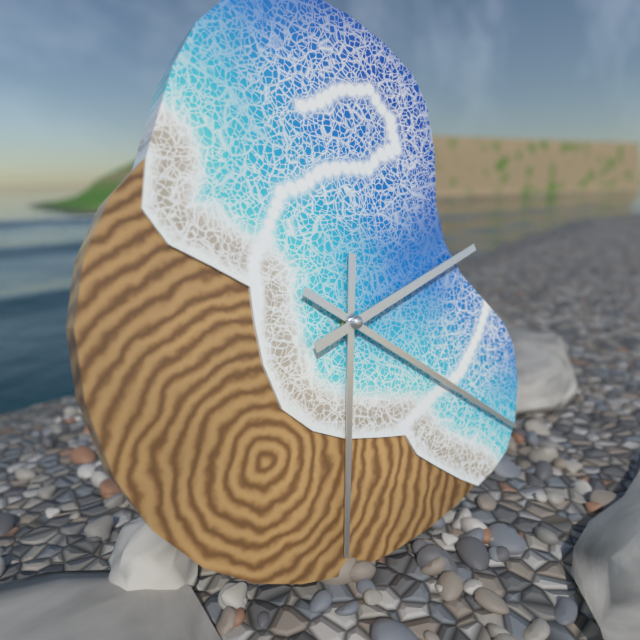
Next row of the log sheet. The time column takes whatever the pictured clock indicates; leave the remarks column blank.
6:21:12
